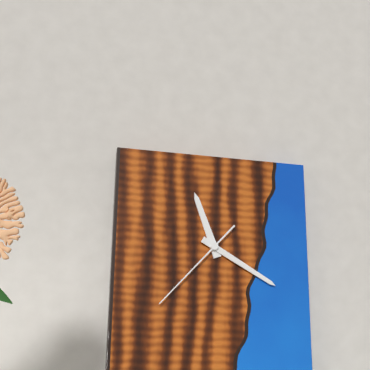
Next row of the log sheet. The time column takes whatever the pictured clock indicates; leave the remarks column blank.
11:20:37
